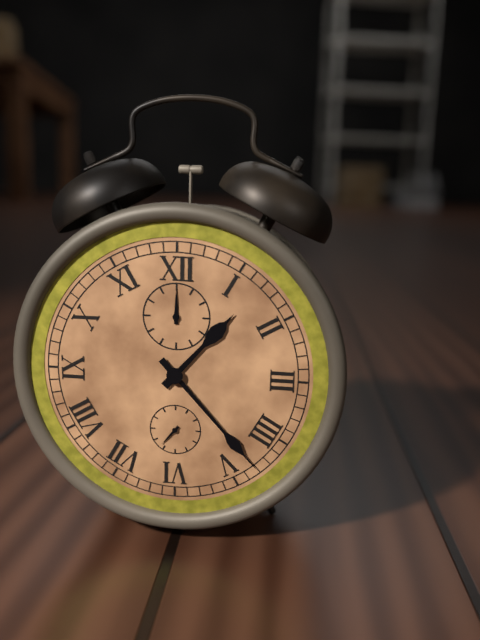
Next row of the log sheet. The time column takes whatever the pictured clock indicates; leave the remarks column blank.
1:23
